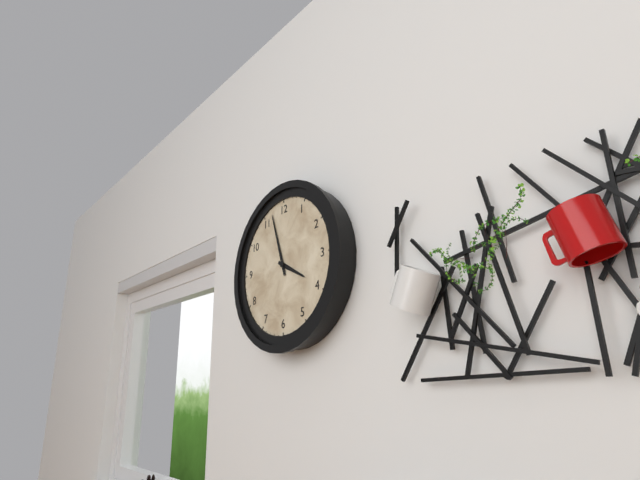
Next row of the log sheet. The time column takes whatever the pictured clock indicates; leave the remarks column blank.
3:57
